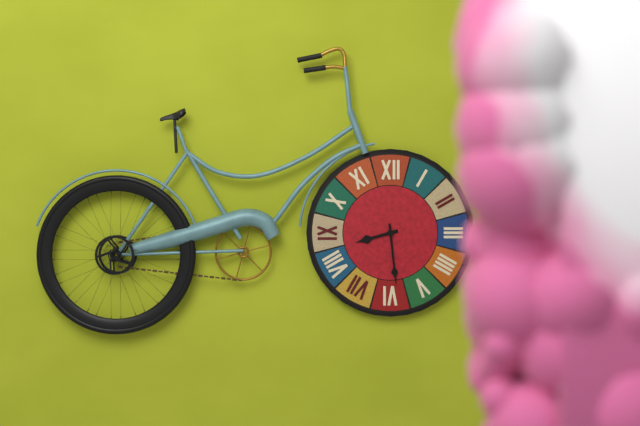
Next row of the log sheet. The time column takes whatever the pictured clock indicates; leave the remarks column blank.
8:29
